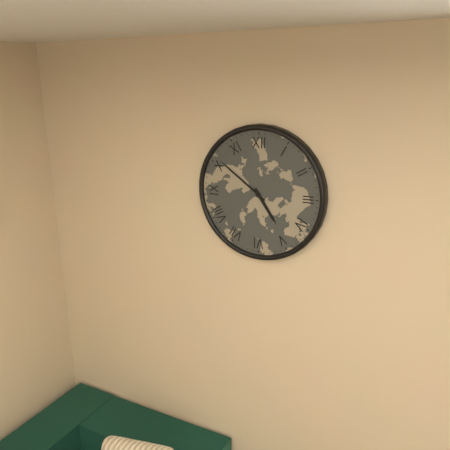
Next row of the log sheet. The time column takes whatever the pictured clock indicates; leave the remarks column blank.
4:51
